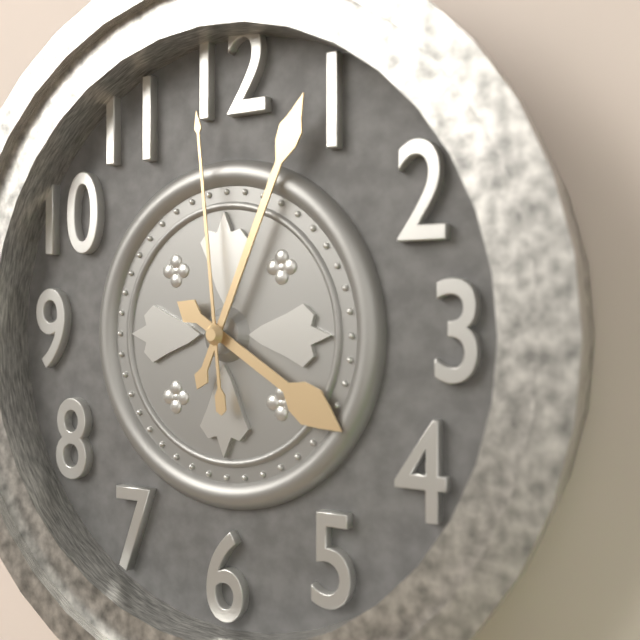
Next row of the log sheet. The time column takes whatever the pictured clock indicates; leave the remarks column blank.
4:04:59
